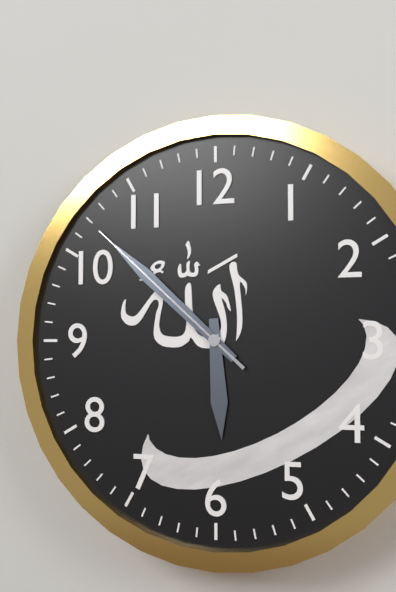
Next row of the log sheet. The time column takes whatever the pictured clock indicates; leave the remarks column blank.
5:52:52
